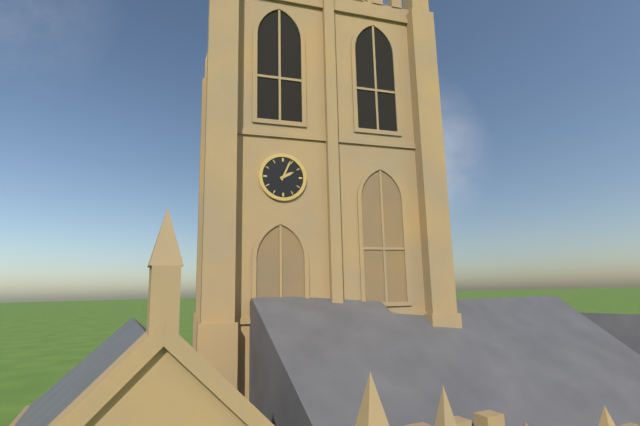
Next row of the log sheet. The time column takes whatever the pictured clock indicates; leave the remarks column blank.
2:04
